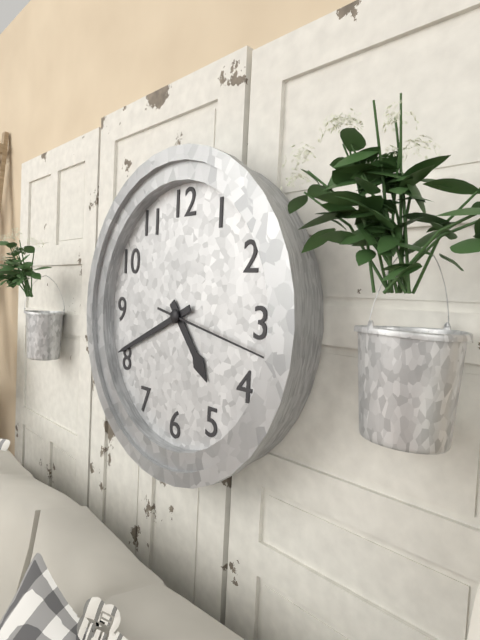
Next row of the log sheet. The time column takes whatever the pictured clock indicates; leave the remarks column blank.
4:41:17
